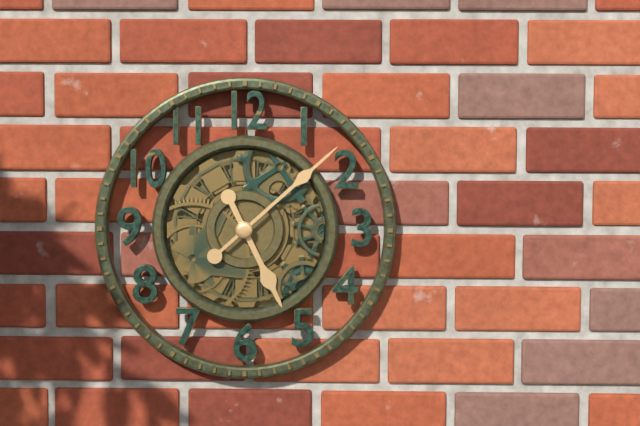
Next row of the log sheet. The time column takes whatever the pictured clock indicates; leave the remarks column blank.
5:08
